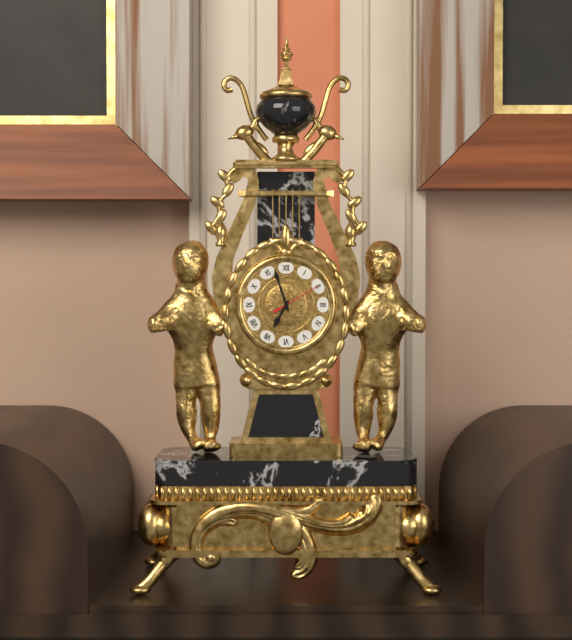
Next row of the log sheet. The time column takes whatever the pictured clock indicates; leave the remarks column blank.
6:57
